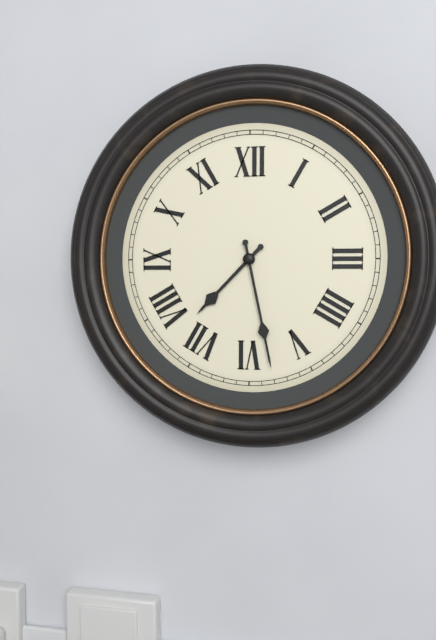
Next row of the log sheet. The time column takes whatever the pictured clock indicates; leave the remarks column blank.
7:28
